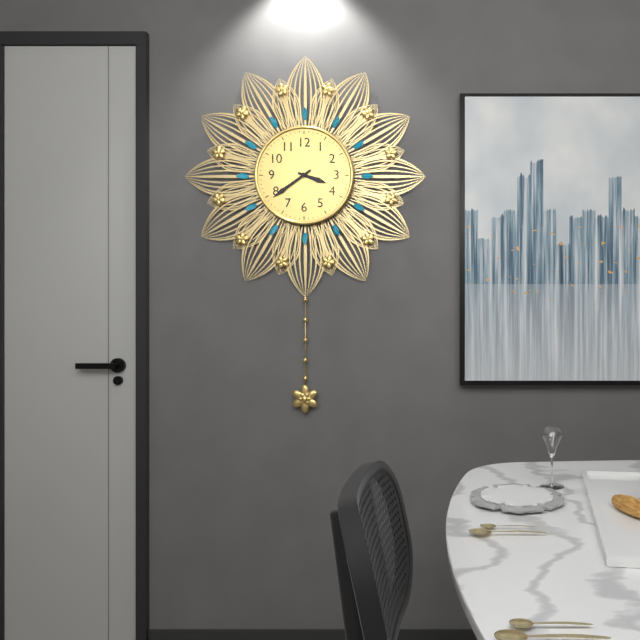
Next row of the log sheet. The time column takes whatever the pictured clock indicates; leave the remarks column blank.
3:39
